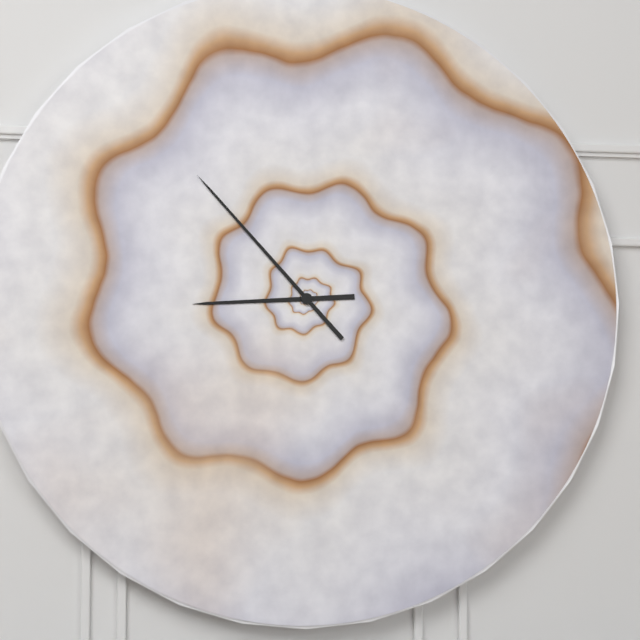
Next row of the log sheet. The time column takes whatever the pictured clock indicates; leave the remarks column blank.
8:53
